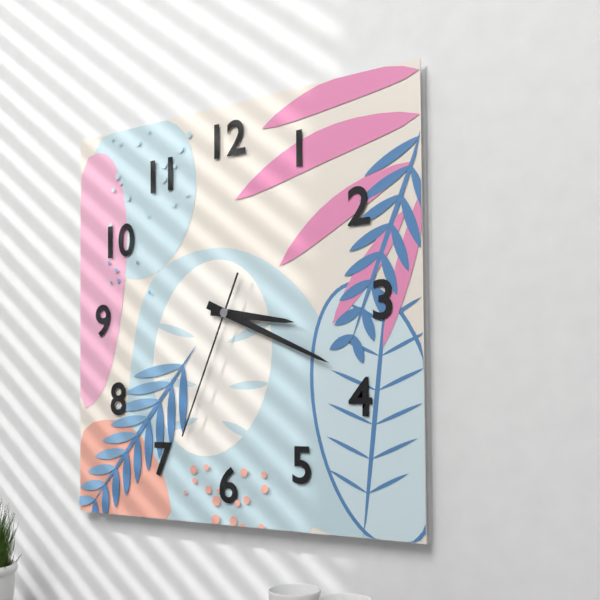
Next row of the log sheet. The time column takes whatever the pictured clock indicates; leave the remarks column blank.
3:19:34
